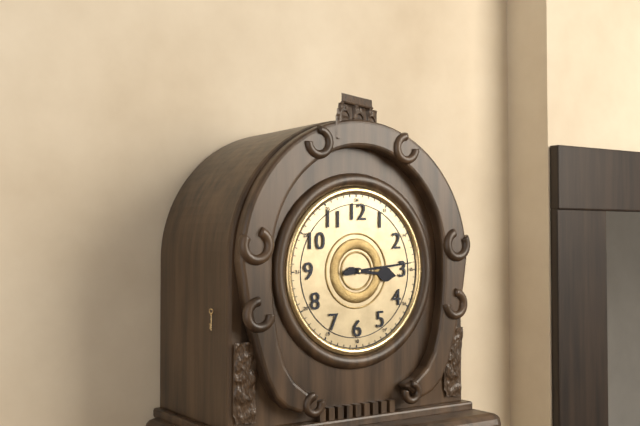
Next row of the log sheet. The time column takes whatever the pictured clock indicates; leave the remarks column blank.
3:14
